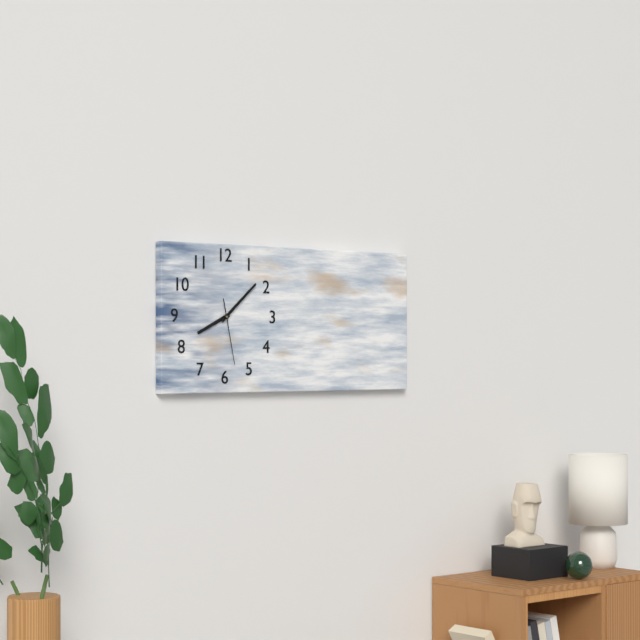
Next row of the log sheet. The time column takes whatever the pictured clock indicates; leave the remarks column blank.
8:08:28
